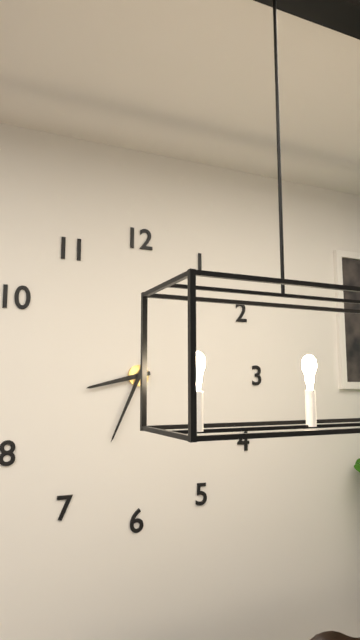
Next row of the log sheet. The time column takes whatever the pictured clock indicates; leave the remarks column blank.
8:34
